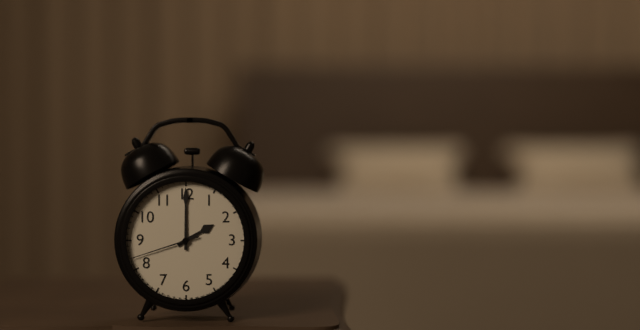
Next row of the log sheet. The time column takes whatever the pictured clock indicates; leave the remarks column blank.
2:00:42
